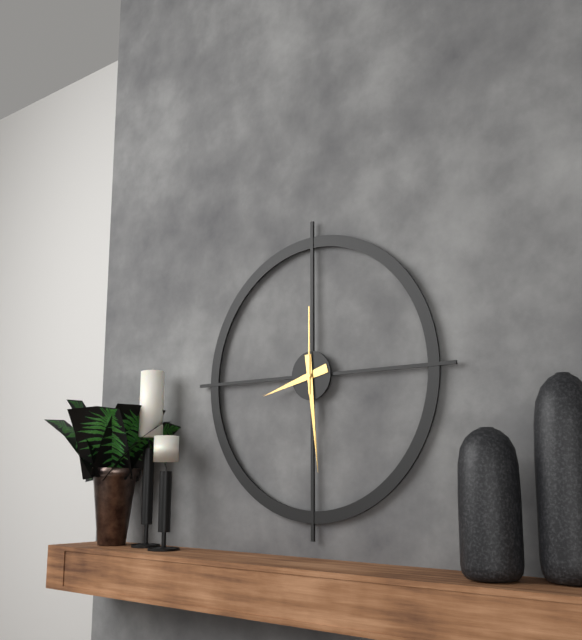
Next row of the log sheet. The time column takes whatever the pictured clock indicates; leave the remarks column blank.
8:29:00
